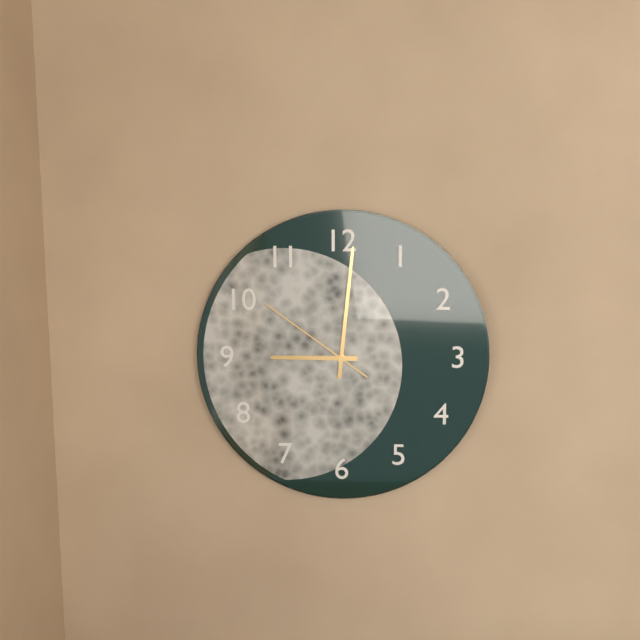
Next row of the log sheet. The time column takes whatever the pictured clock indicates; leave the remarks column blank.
9:01:51
